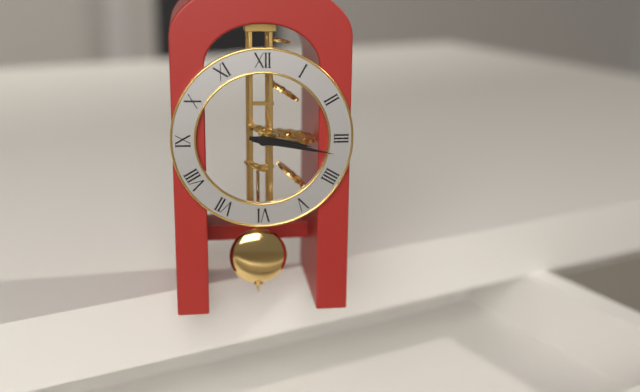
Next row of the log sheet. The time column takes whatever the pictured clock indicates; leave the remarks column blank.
3:17
